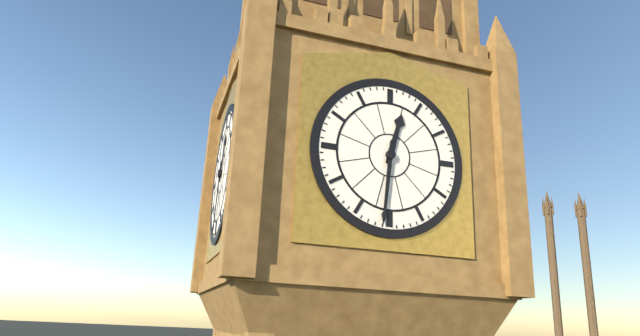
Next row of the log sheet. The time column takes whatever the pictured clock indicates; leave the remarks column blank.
12:31
